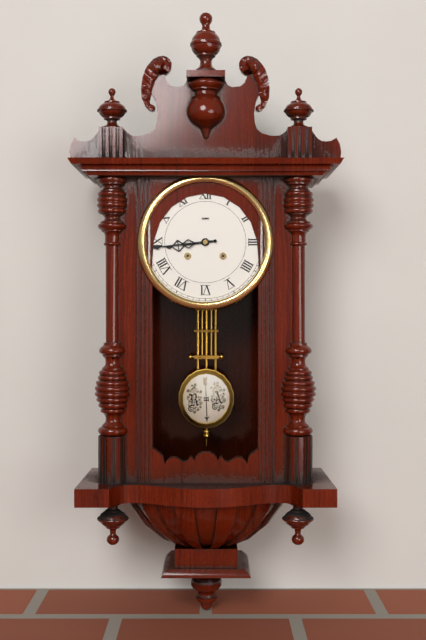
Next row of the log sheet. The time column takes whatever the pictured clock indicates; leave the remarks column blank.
8:44
